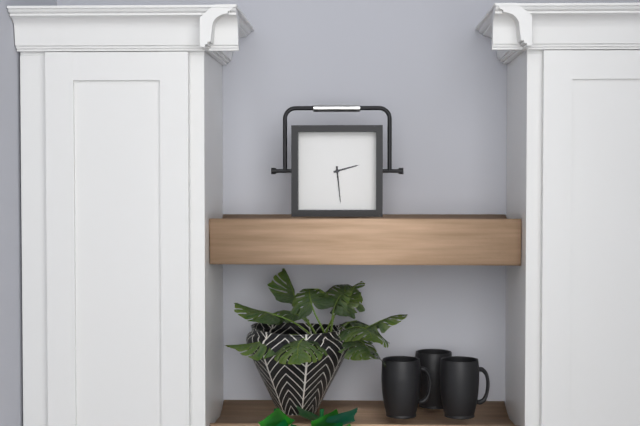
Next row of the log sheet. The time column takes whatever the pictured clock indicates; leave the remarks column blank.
2:29
